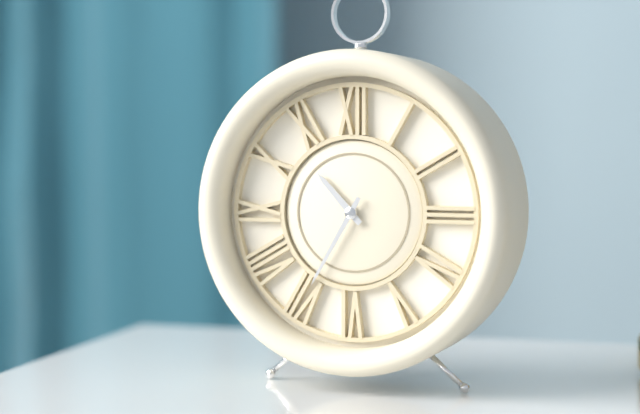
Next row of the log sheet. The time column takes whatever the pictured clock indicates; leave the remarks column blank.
10:35
